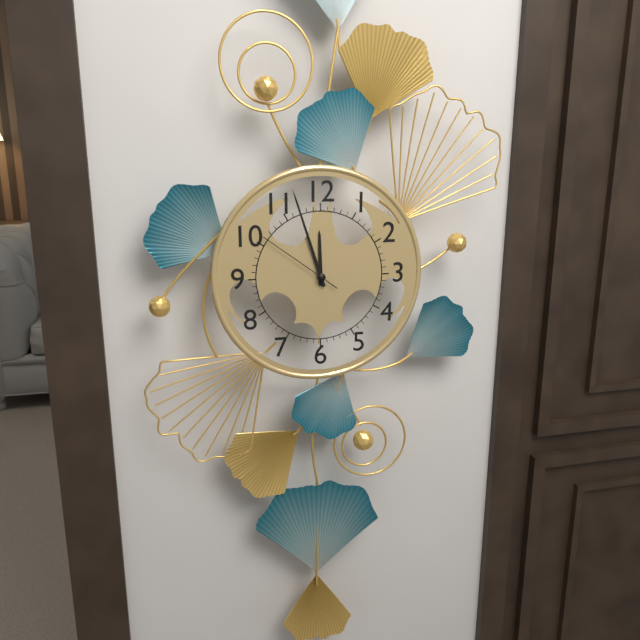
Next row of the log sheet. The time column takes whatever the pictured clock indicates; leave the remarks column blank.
11:57:51
